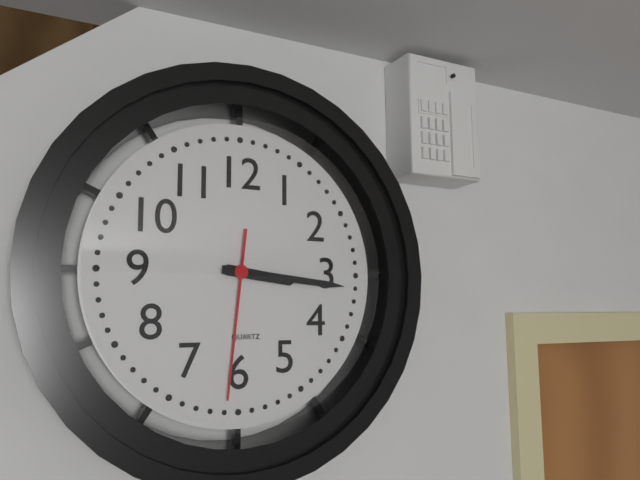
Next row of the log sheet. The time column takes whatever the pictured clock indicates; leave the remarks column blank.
3:16:31
